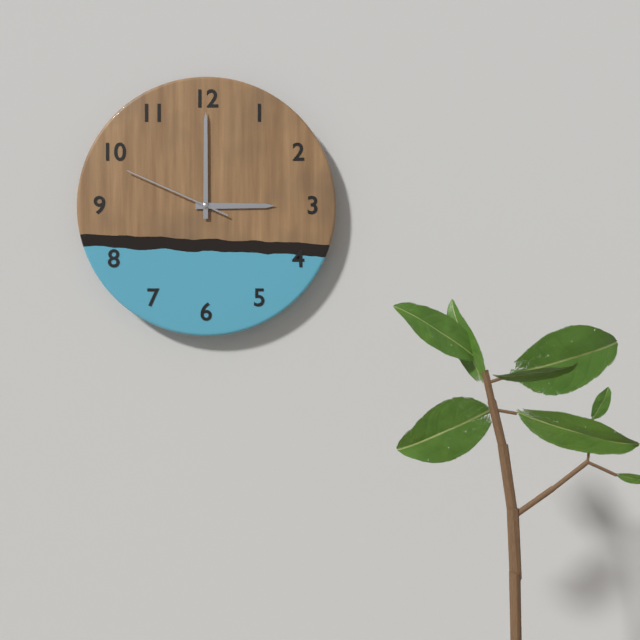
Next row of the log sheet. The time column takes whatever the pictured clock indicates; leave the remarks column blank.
3:00:49
